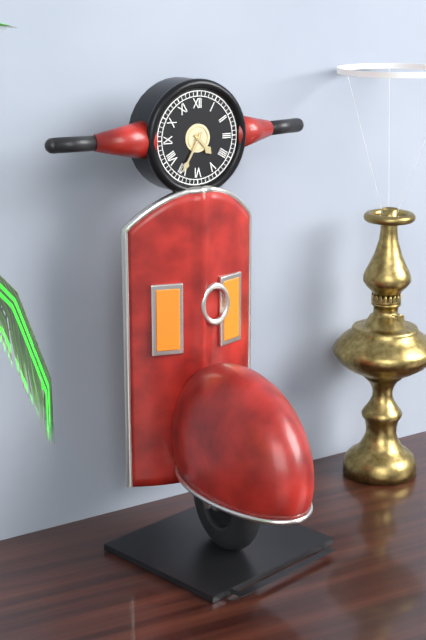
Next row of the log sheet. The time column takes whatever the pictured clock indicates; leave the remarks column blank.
4:35
